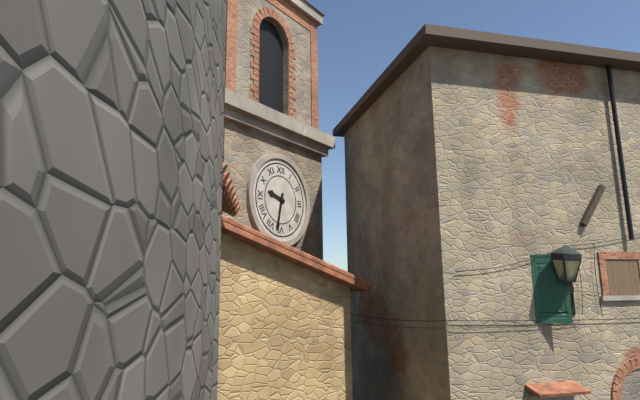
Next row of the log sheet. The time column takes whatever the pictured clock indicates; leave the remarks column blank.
9:32
